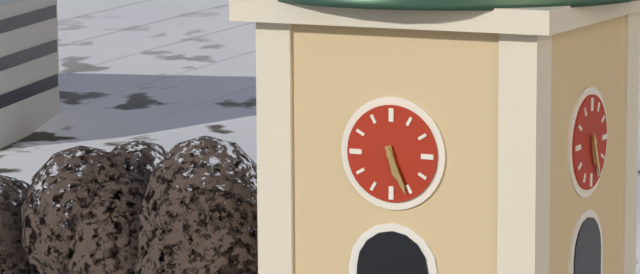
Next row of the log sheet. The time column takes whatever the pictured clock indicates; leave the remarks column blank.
5:26
